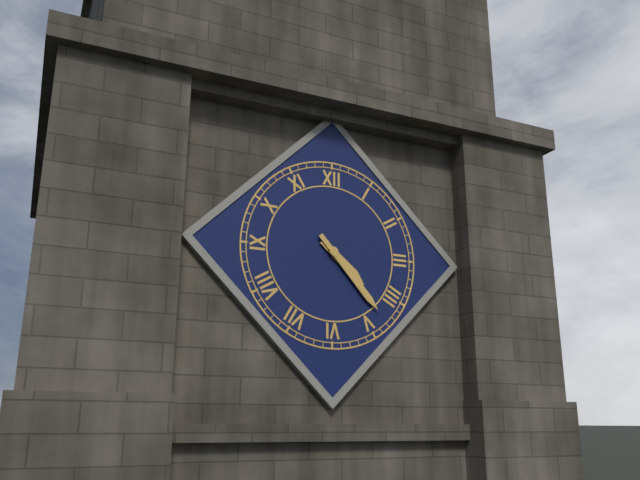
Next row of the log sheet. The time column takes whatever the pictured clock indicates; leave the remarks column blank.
4:23
